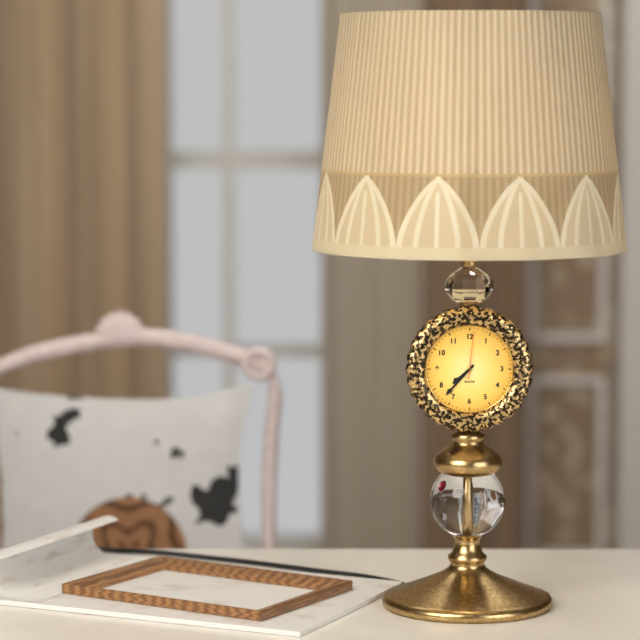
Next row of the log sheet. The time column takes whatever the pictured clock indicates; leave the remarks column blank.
7:37
